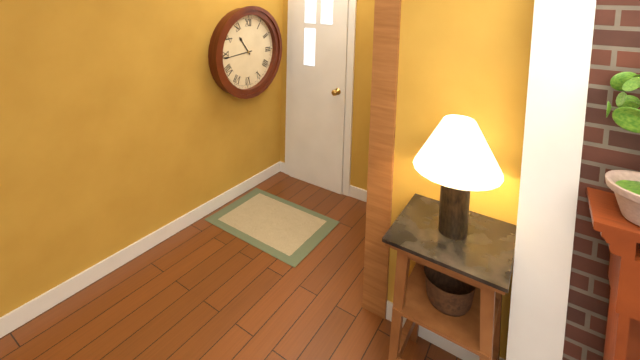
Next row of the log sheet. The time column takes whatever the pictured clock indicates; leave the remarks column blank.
10:44
